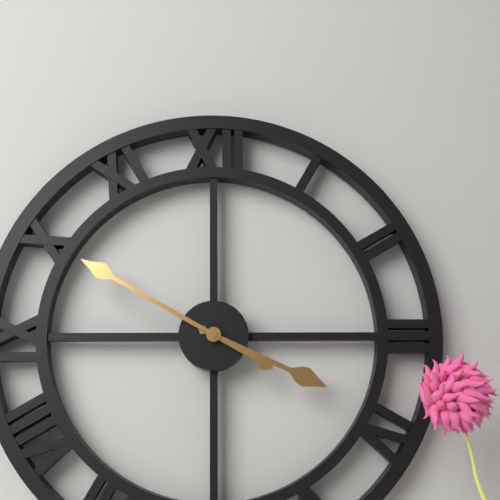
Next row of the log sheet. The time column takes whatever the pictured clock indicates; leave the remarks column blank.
3:50
